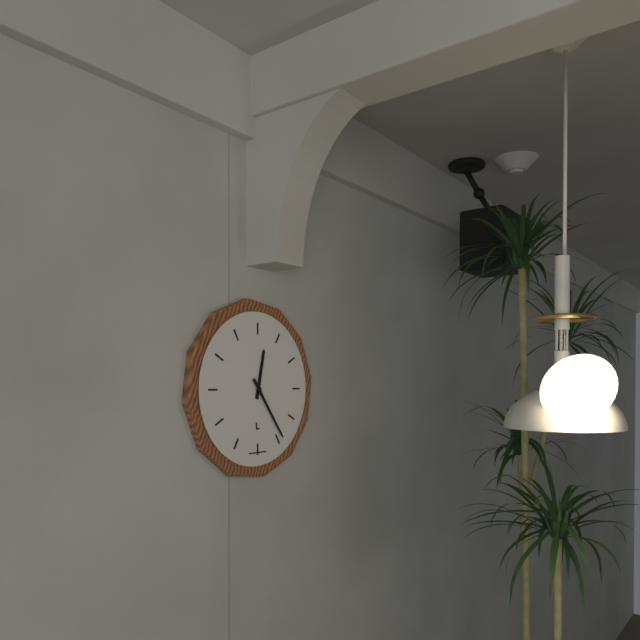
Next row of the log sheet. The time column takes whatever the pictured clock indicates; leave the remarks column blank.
12:24
